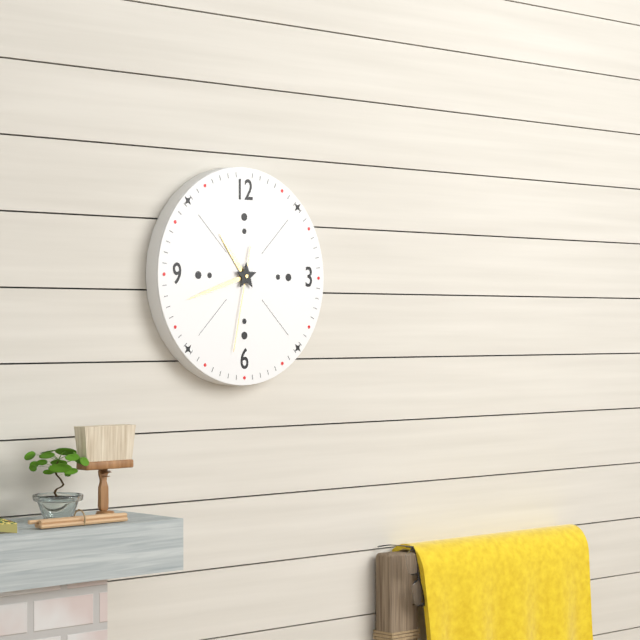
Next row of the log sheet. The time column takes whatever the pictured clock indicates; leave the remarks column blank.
10:42:32
